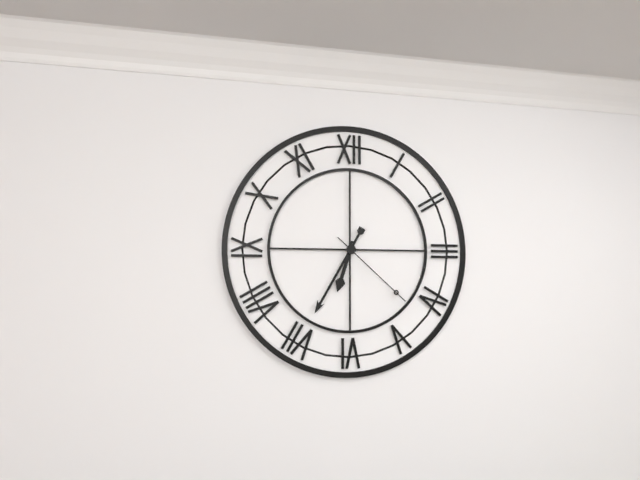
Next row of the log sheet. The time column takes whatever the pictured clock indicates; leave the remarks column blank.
6:35:22
